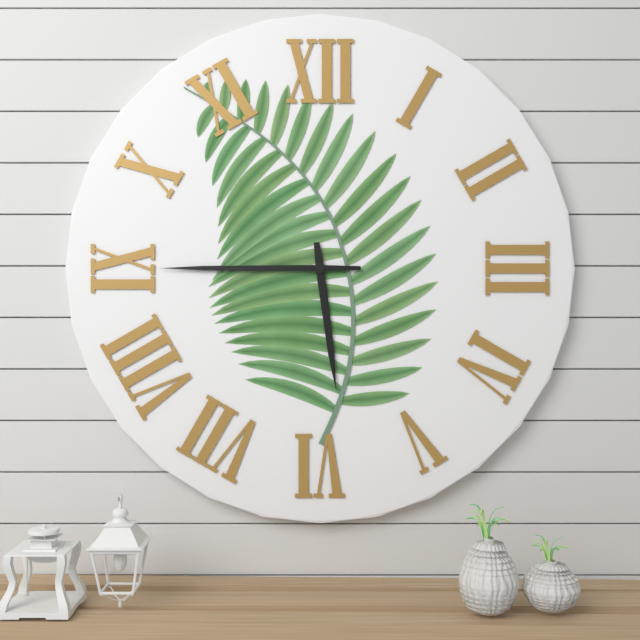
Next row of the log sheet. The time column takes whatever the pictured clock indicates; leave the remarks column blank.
5:45
